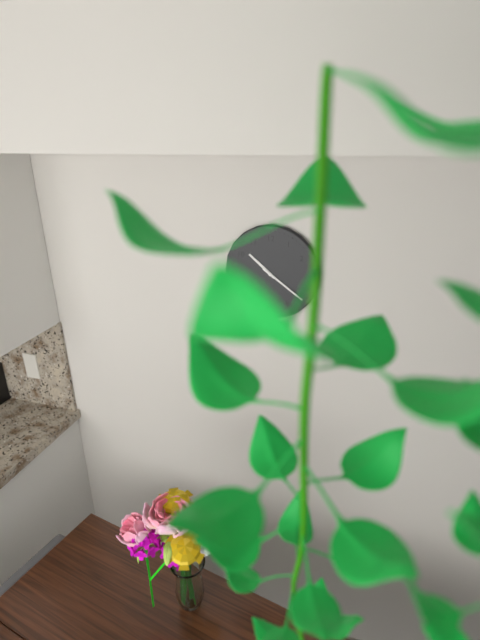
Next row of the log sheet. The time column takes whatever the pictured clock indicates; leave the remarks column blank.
10:21
